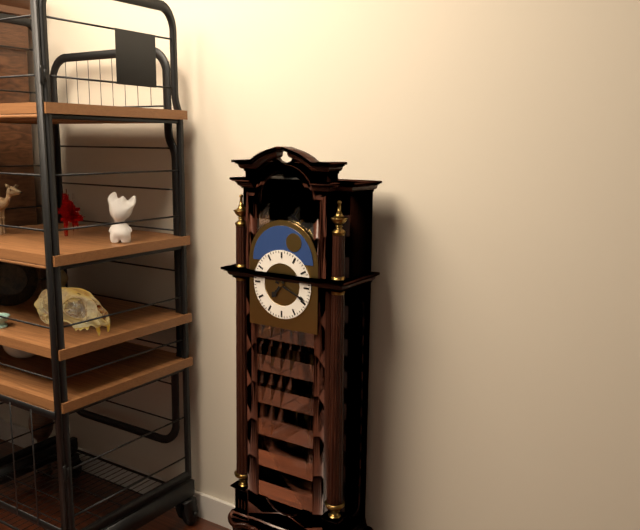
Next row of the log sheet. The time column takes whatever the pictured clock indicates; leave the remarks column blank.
7:19
